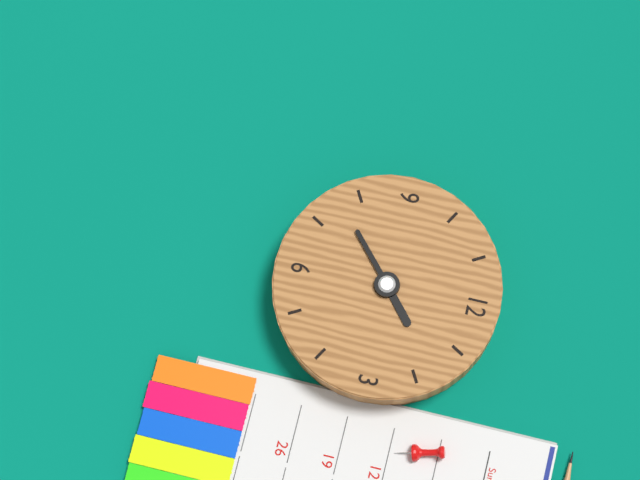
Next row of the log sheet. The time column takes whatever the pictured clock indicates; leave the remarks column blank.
1:38
